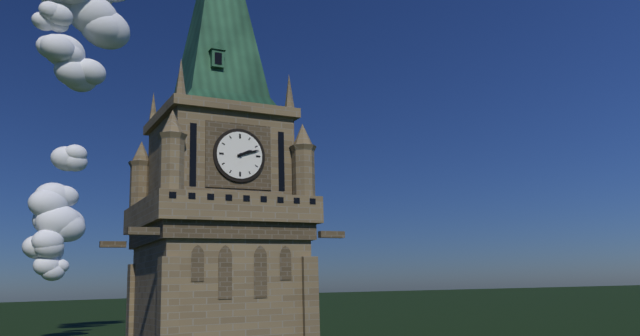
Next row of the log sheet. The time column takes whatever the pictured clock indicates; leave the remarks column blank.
2:12
